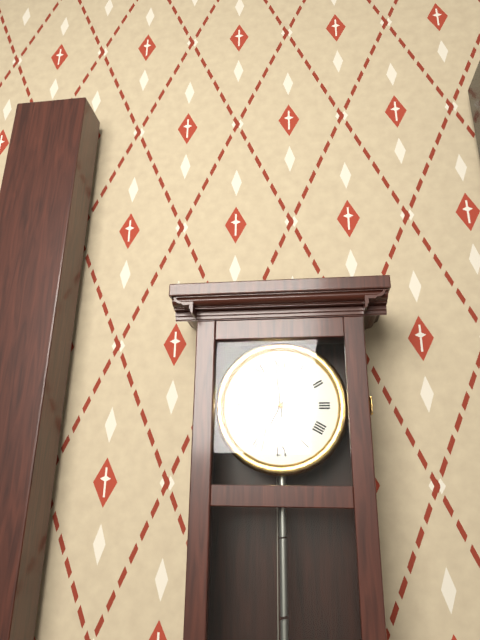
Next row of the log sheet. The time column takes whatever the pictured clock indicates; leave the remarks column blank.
6:59
